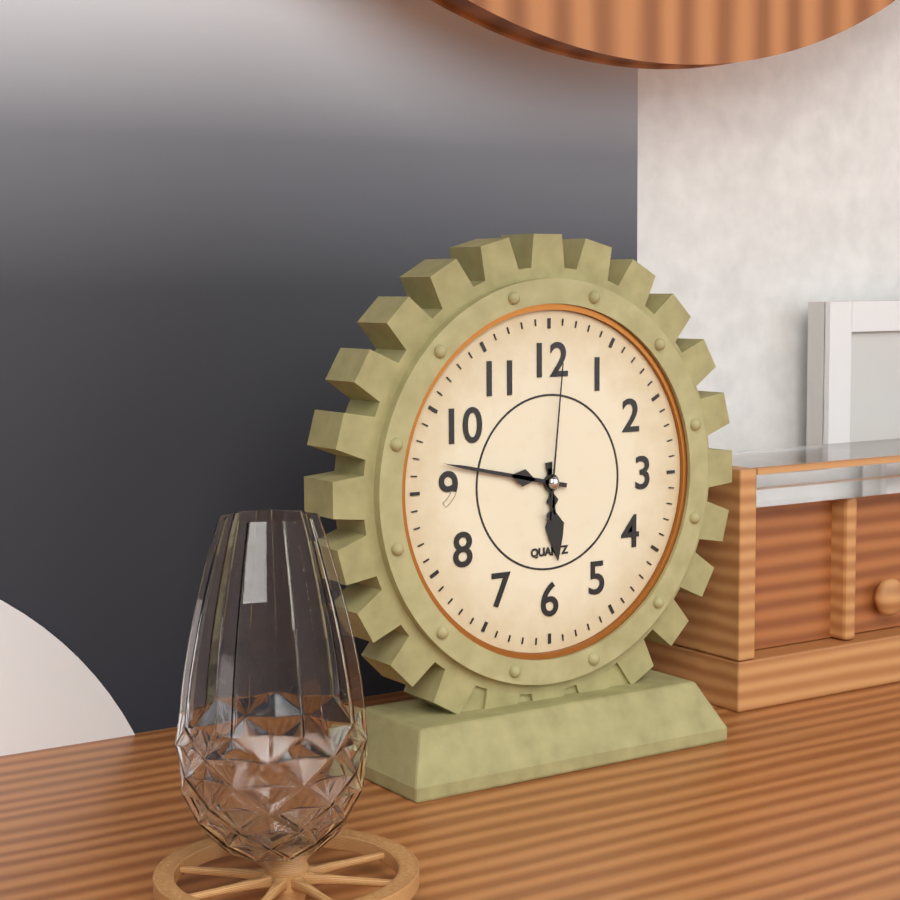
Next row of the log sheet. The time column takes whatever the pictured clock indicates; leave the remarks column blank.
5:47:01
